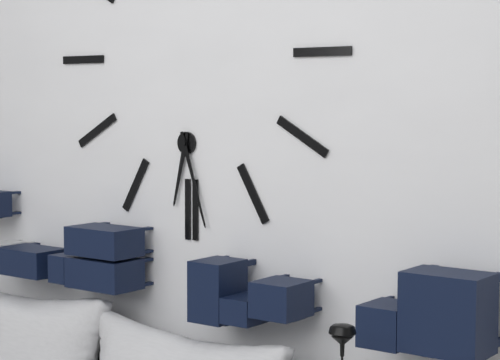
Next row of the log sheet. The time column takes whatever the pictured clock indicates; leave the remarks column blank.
6:27
